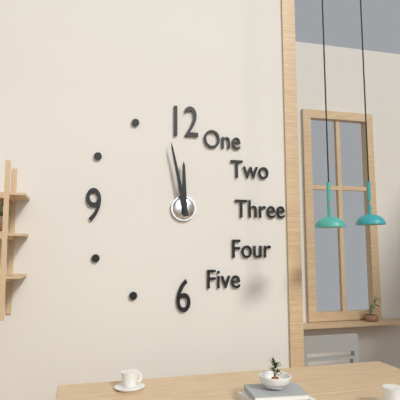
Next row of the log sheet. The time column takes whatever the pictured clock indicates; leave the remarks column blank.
11:58
